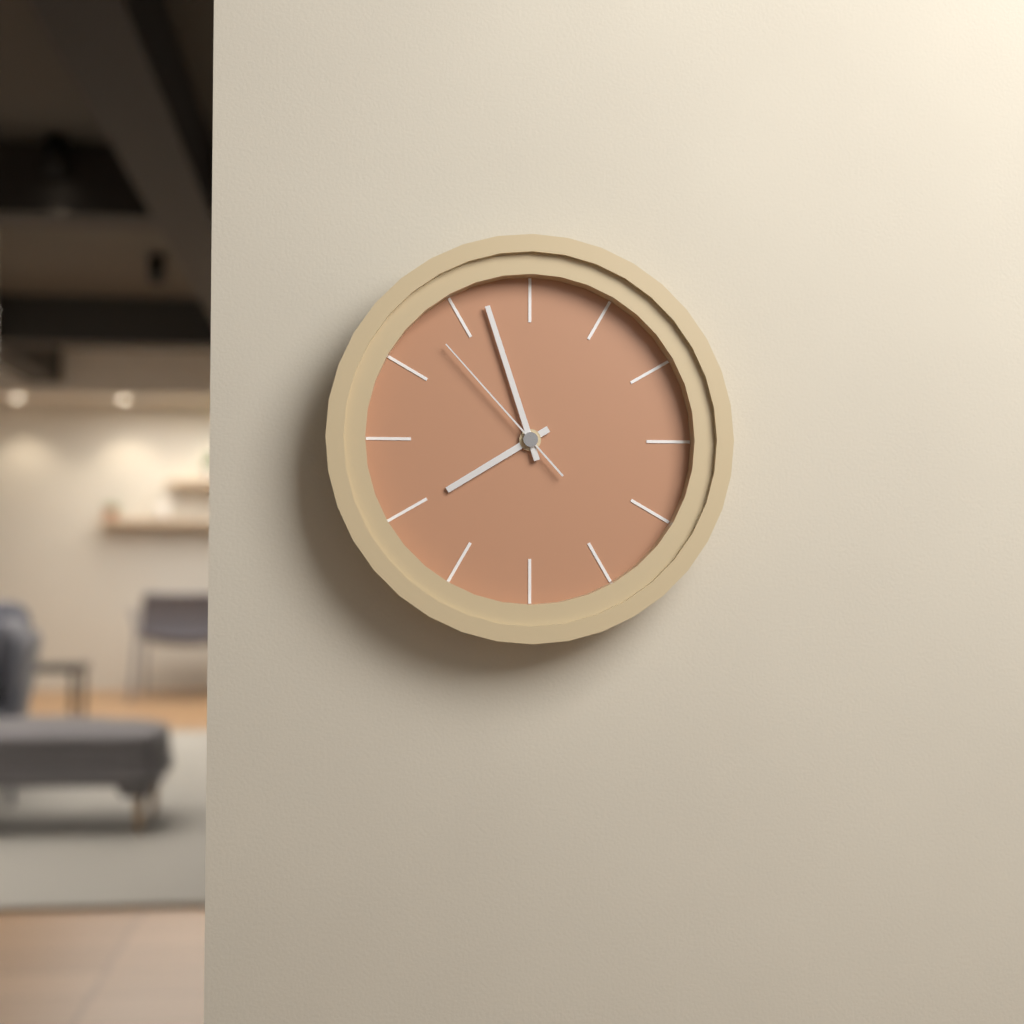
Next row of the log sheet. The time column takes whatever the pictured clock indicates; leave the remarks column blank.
7:57:53
